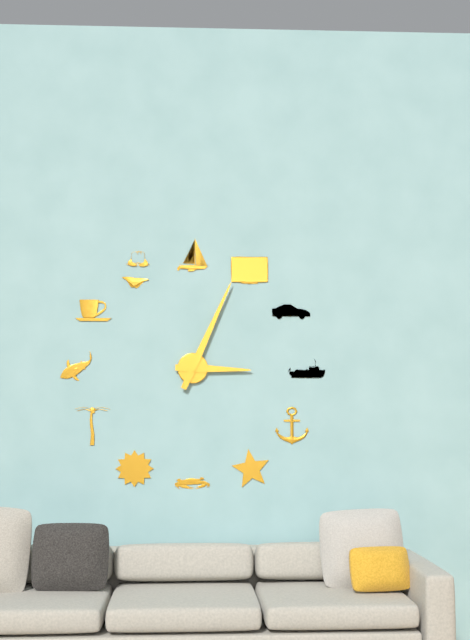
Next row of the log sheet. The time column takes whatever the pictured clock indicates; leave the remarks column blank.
3:04
